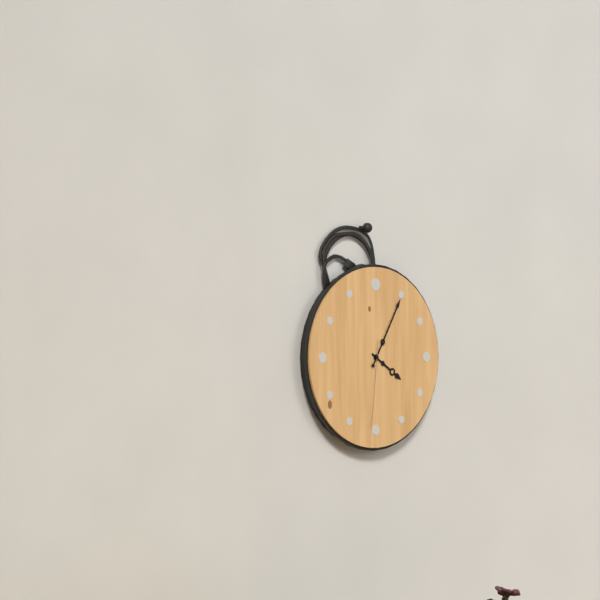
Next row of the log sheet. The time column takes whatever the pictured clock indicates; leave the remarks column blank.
4:05:31
